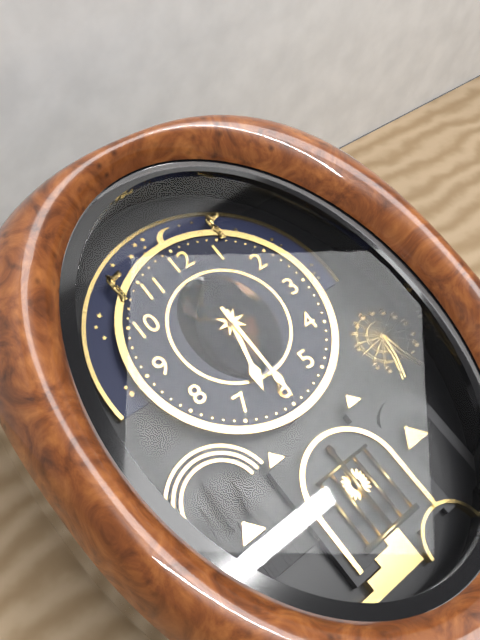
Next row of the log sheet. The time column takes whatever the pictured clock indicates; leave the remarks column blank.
6:30
